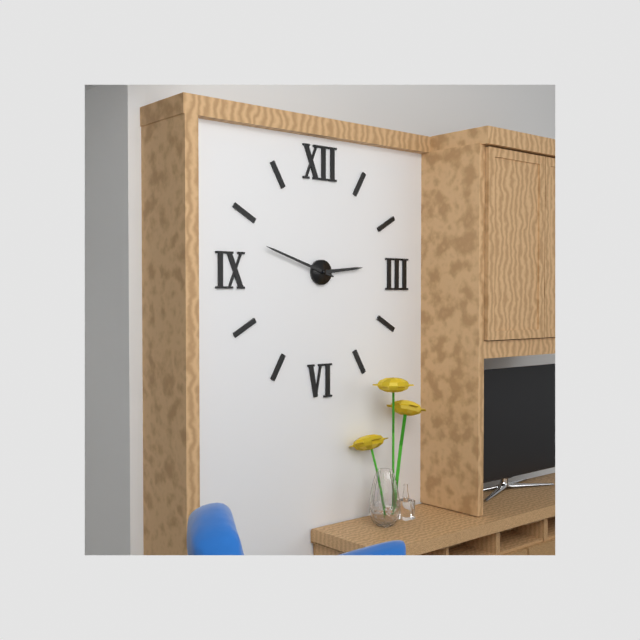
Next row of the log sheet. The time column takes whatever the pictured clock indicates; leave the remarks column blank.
2:48
